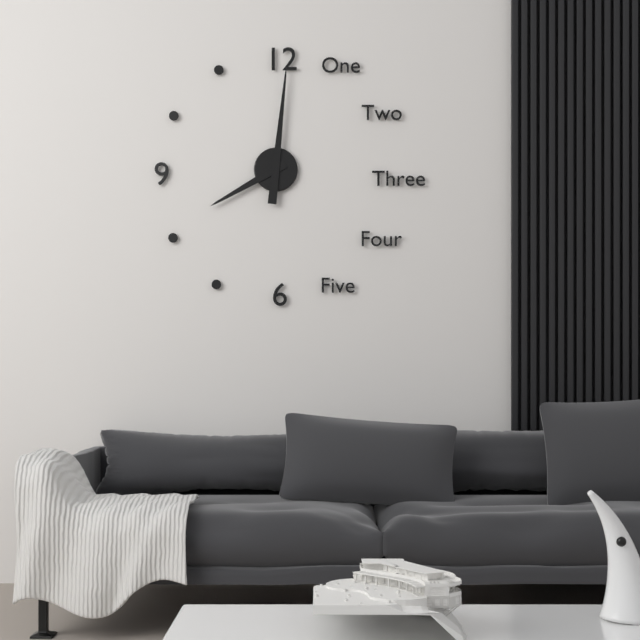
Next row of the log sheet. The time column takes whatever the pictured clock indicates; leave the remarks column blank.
8:01
